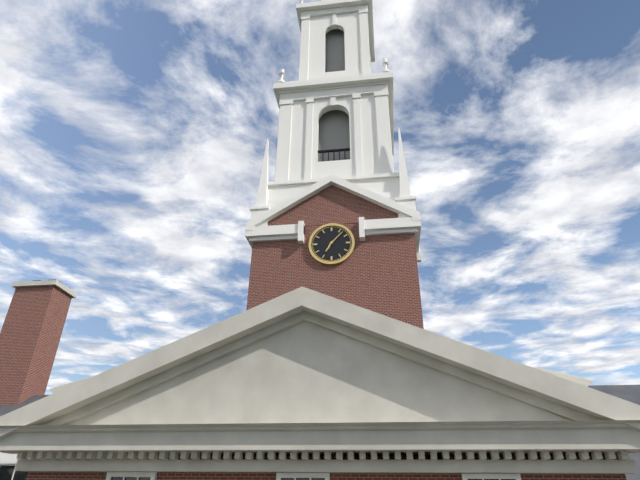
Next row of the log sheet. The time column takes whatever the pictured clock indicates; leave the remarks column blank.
7:07
